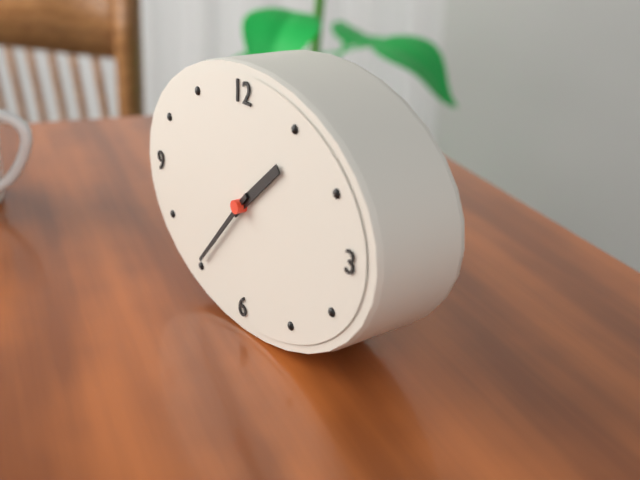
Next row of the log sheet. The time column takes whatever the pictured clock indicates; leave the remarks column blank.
1:37
